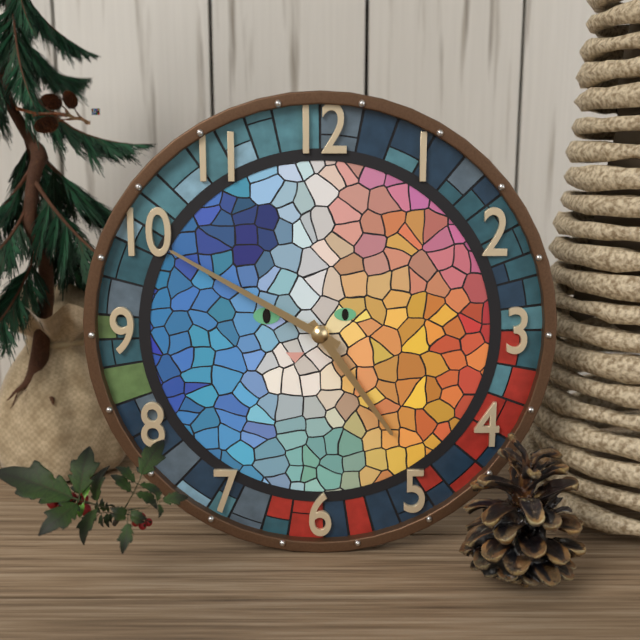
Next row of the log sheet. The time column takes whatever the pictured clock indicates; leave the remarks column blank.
4:50
